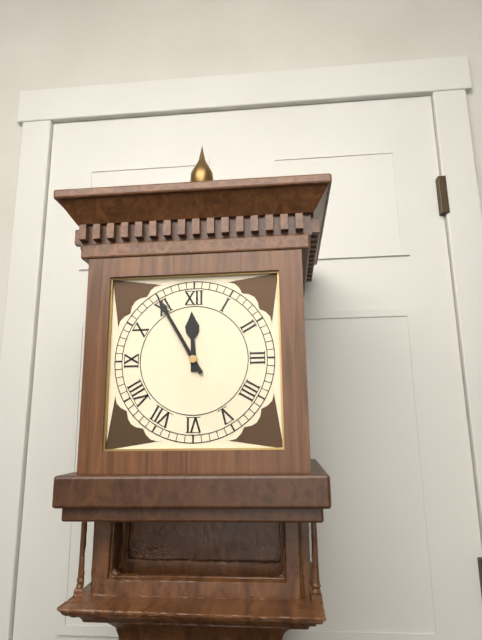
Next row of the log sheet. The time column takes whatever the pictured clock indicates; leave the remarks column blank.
11:55
